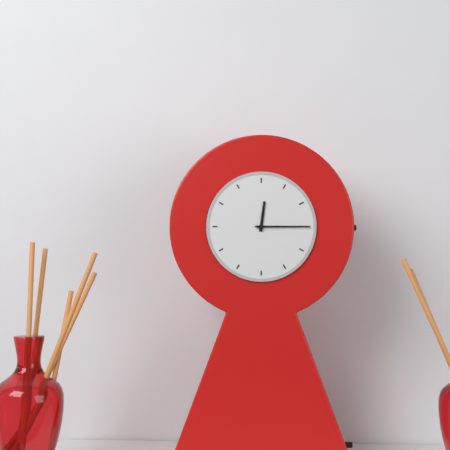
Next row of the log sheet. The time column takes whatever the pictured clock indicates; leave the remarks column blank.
12:15
